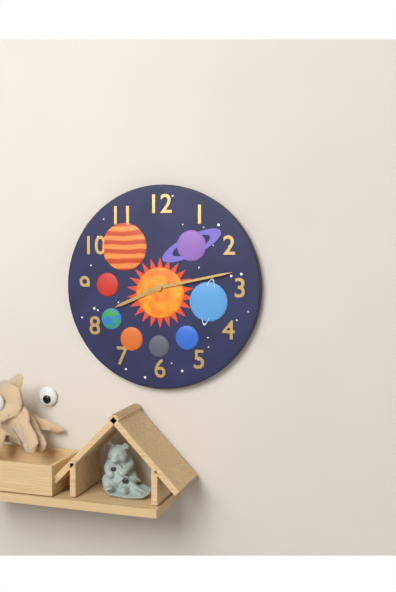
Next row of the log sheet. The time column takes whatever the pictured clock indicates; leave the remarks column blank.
8:13
